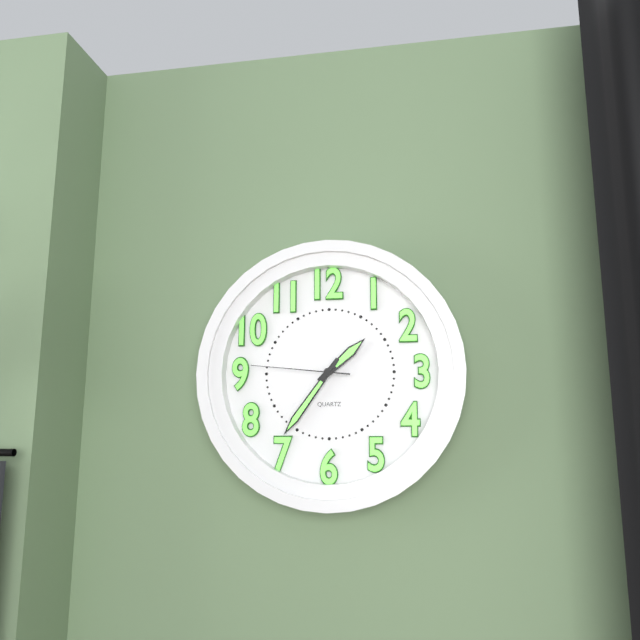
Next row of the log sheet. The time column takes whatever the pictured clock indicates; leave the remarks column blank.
1:36:46
